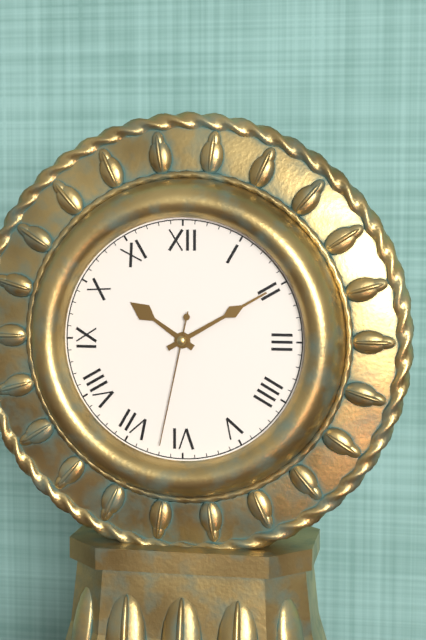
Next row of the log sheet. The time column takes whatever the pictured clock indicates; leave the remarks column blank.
10:10:32
